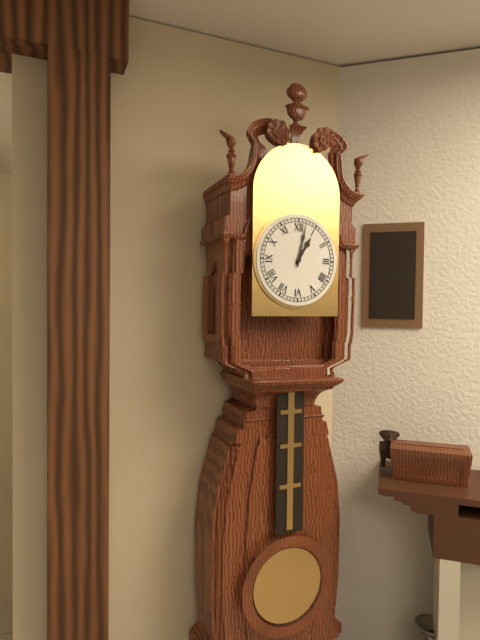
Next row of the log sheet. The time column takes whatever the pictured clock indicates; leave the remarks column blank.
1:02
